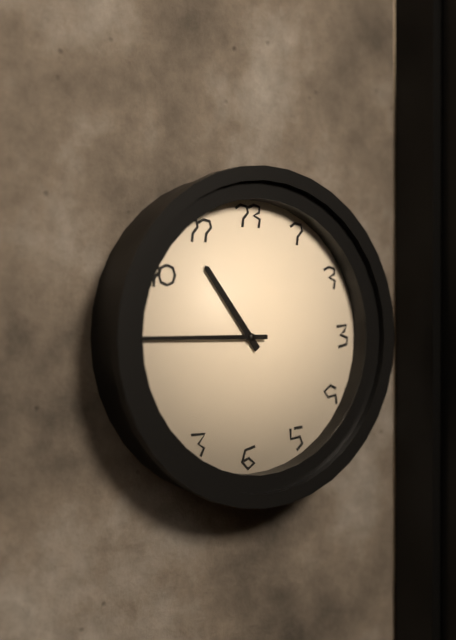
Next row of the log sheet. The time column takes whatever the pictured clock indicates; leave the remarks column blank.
10:45
